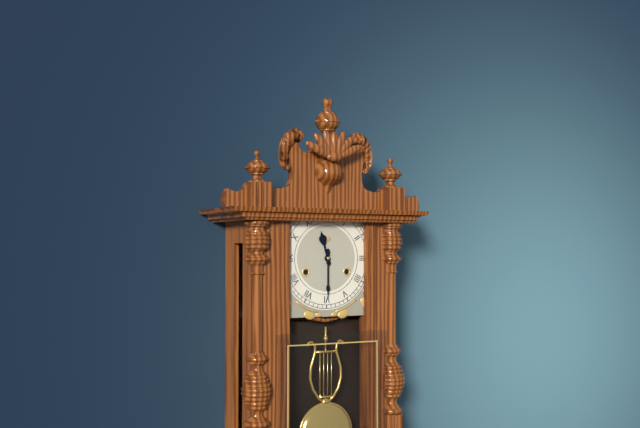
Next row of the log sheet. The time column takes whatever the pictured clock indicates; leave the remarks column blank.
11:30
